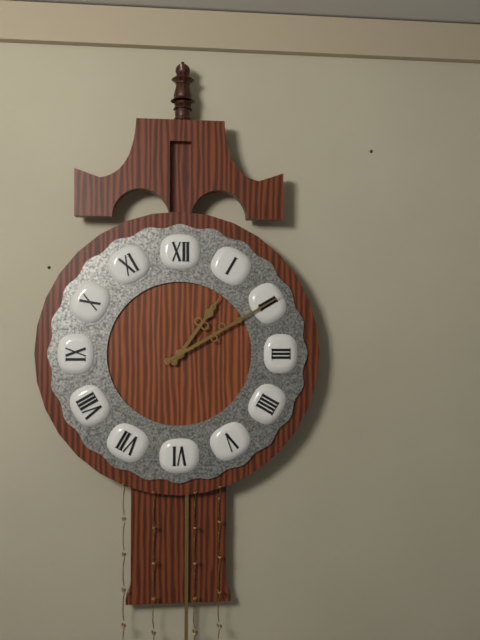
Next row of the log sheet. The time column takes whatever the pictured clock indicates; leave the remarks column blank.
1:10
